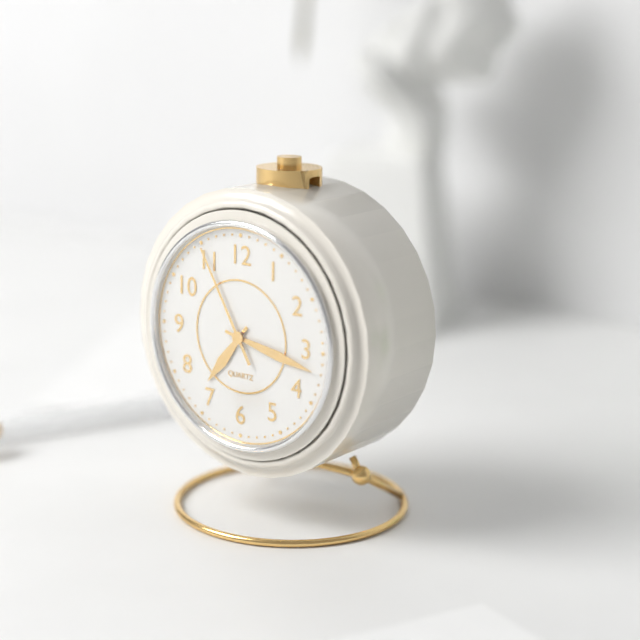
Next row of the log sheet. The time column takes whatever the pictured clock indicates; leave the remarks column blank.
7:17:55
